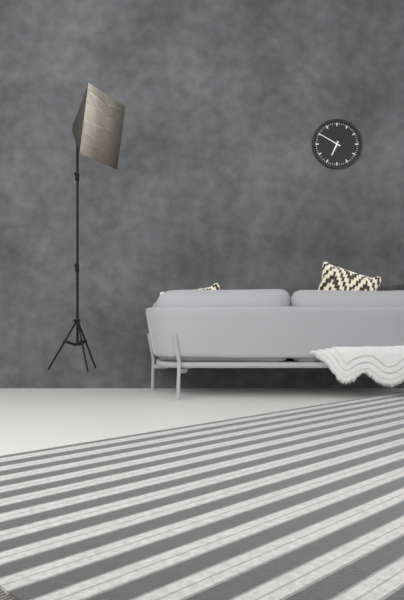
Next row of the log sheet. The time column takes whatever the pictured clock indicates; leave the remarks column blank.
6:50
